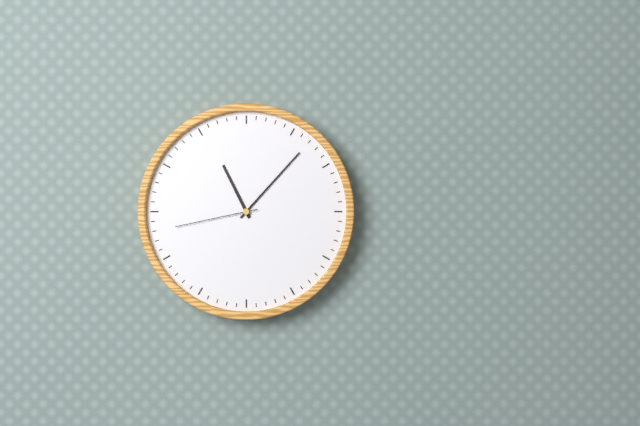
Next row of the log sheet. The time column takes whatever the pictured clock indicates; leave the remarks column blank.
11:07:43
